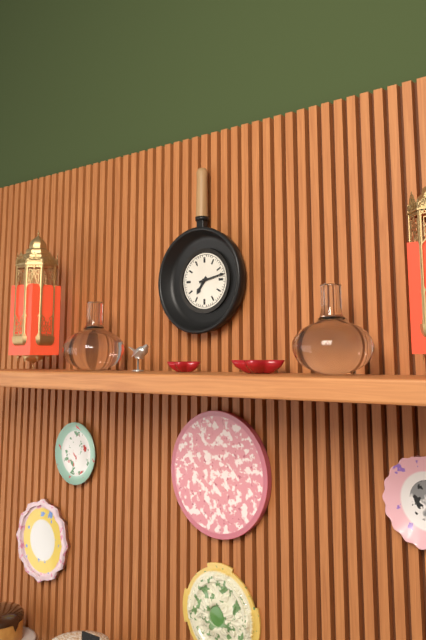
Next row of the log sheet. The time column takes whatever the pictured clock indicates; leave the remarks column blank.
7:13
